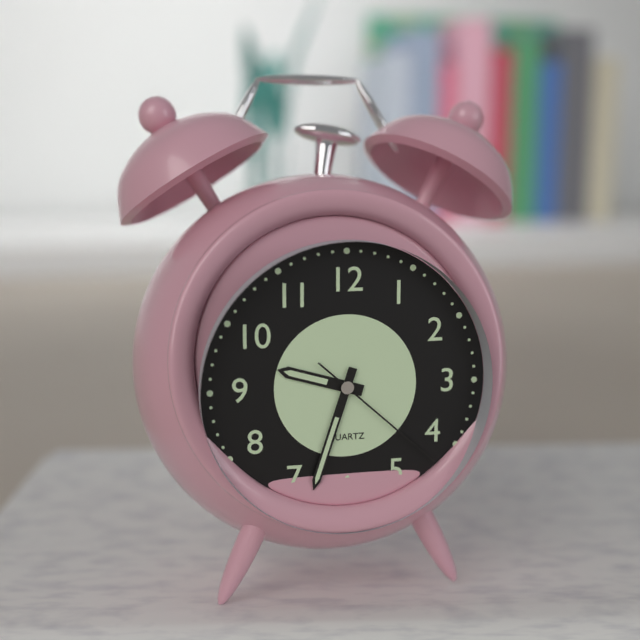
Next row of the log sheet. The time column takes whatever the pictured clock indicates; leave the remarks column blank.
9:33:22
